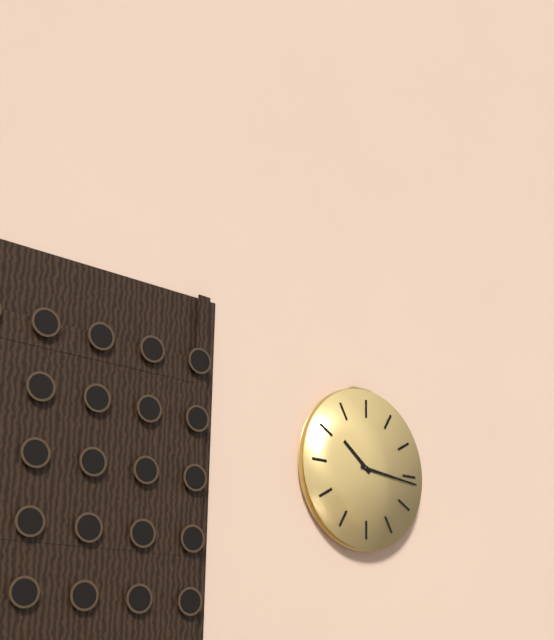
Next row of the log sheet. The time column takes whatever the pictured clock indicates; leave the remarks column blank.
10:16
